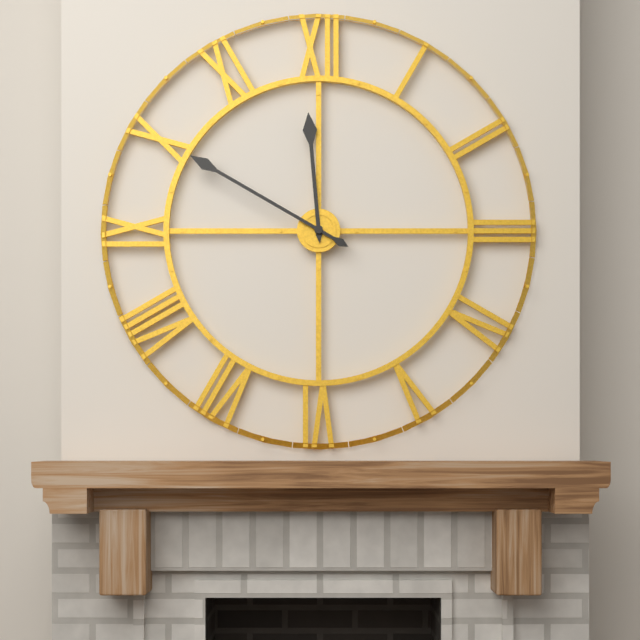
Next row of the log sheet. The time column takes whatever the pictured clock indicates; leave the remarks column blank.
11:50
